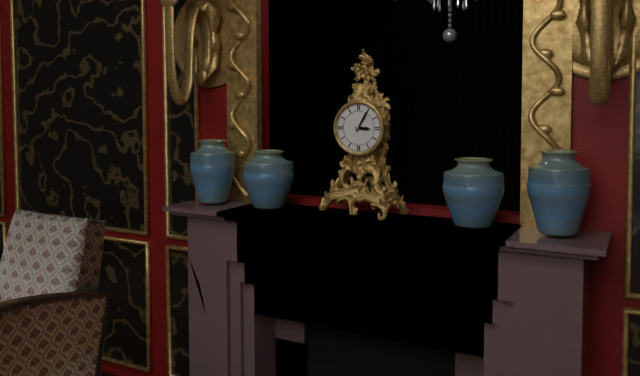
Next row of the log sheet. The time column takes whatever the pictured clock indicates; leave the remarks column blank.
3:05
